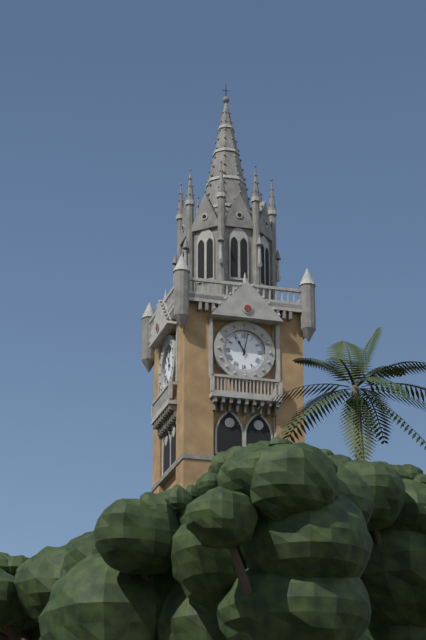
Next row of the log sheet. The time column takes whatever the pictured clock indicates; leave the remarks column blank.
11:02
